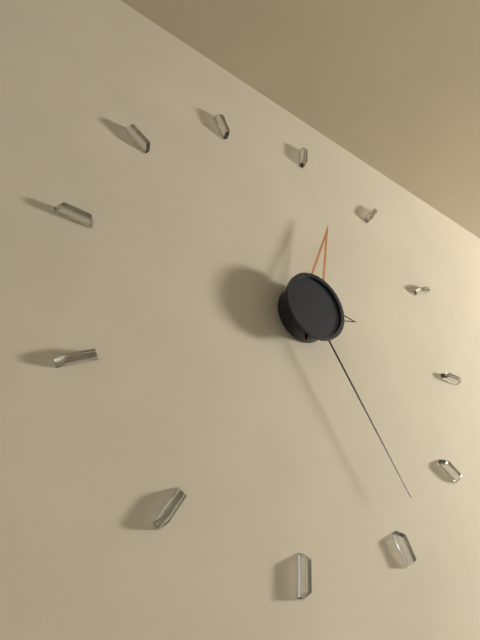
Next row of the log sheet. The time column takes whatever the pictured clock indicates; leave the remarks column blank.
12:24:14
